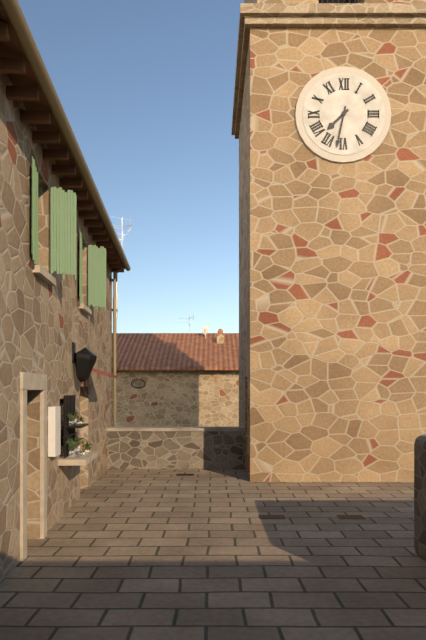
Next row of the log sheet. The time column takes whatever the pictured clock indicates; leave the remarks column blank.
7:32
